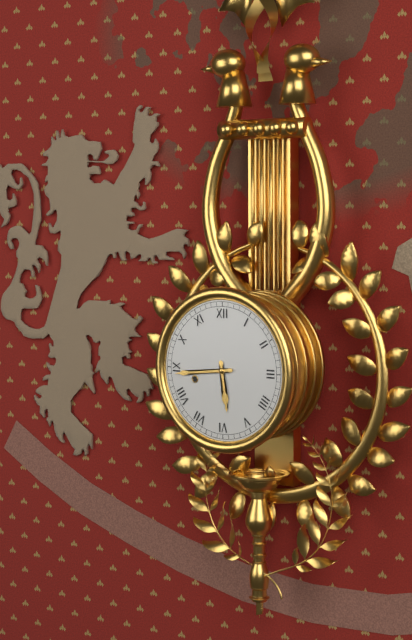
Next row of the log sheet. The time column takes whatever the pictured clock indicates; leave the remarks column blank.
5:44
